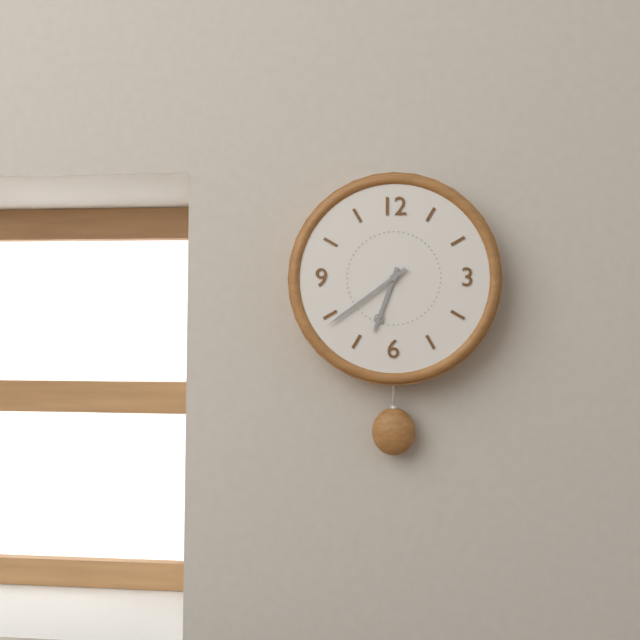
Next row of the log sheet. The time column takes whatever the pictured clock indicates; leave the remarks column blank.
6:39
